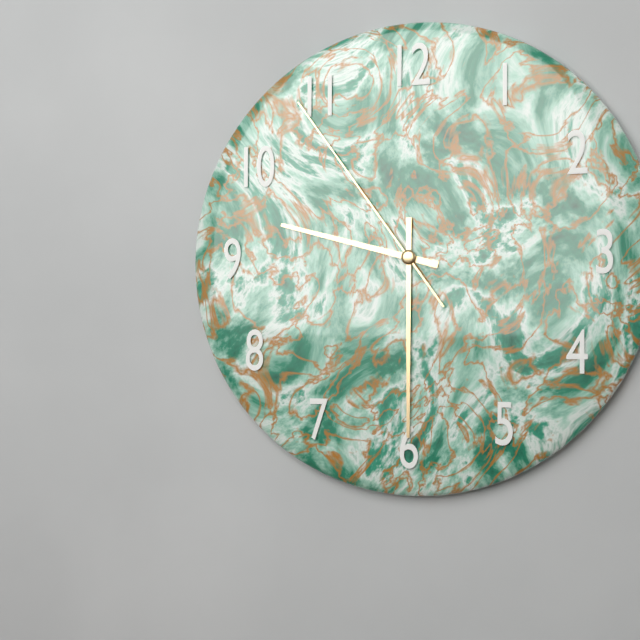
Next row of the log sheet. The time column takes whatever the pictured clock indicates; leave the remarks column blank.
9:30:54
